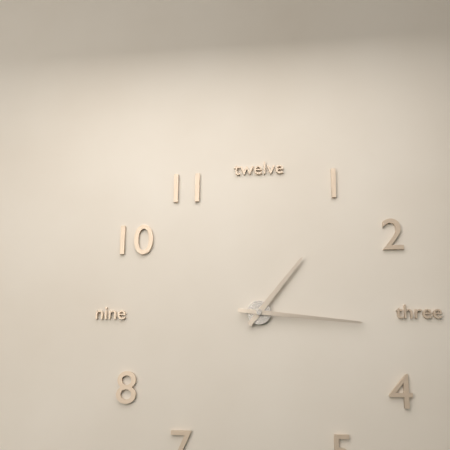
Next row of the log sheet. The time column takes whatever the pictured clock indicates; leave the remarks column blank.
1:16
